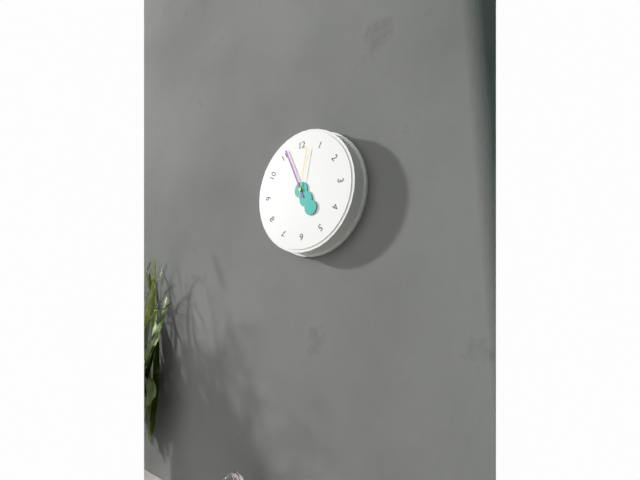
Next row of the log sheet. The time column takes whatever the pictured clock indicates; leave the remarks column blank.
4:56:02
